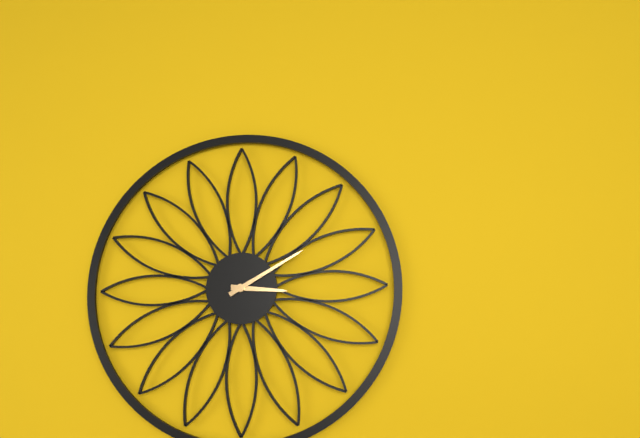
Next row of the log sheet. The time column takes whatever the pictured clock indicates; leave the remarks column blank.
3:10
